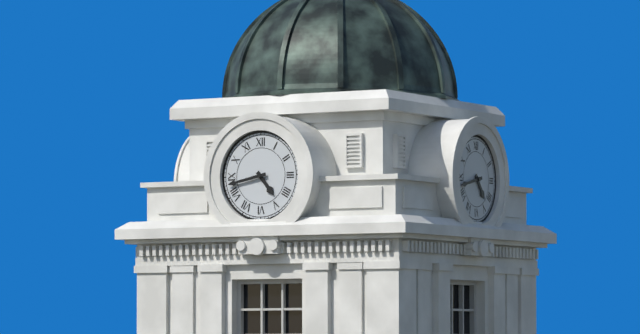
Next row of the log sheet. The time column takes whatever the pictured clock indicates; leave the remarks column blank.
4:43
